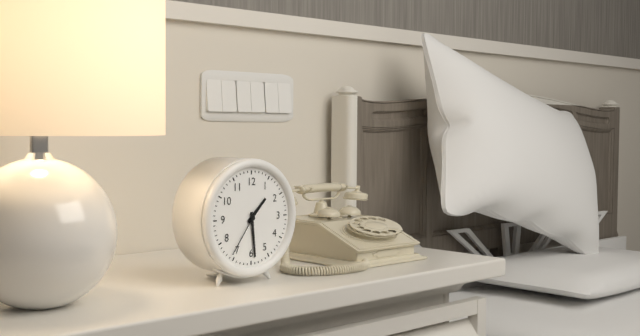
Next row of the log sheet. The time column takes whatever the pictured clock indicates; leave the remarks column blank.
1:29:36
